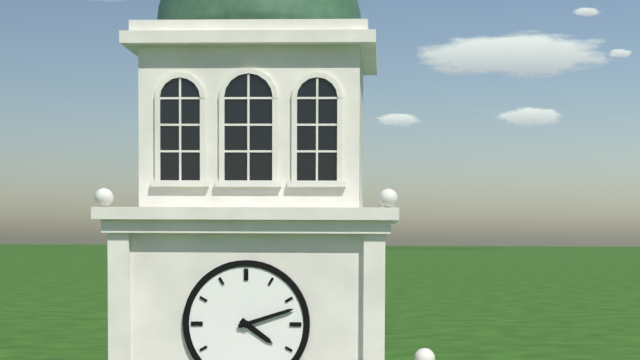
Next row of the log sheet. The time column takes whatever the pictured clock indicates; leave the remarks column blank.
4:12
